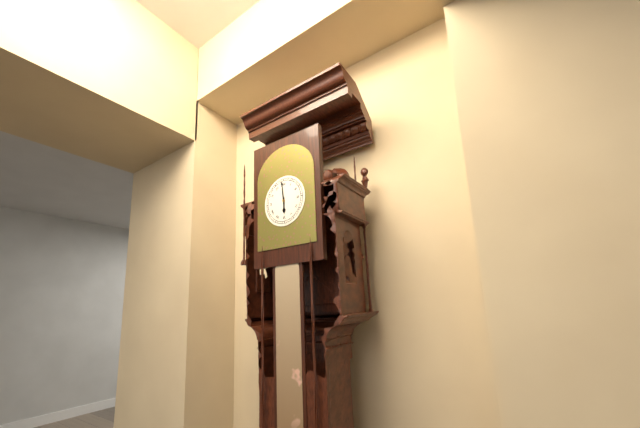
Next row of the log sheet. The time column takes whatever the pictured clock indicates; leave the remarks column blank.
5:59
